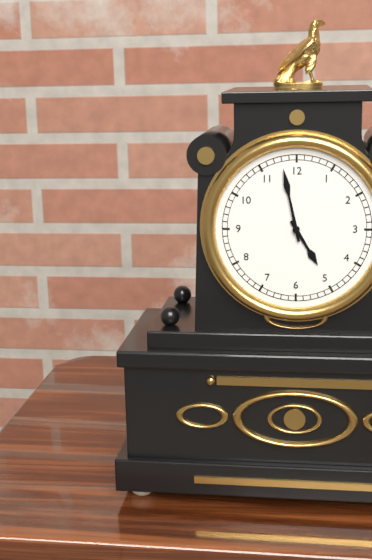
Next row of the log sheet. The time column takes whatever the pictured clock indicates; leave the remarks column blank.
4:58
